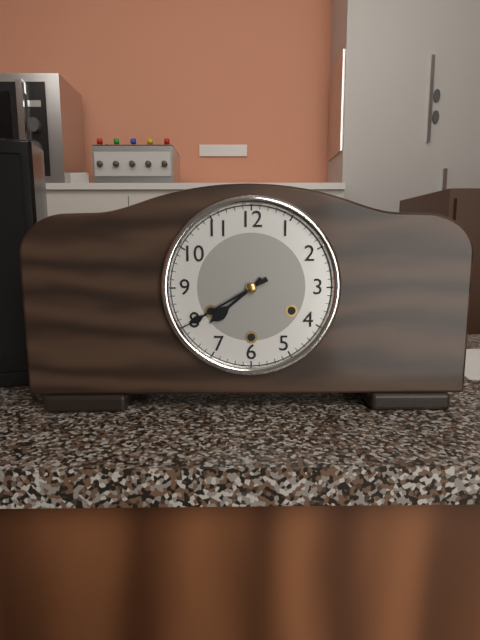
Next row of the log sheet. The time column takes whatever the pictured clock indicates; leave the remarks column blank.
7:40
